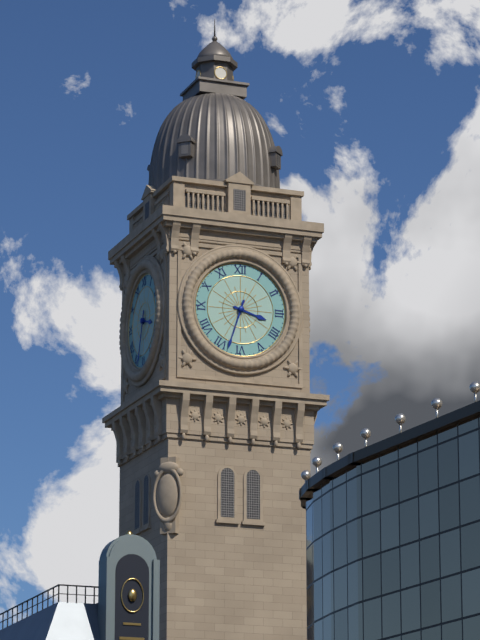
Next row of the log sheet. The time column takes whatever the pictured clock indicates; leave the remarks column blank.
3:33
